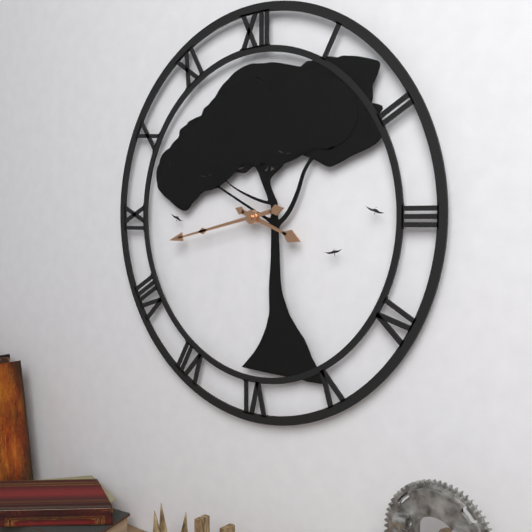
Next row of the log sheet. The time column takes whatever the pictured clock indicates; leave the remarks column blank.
3:43
